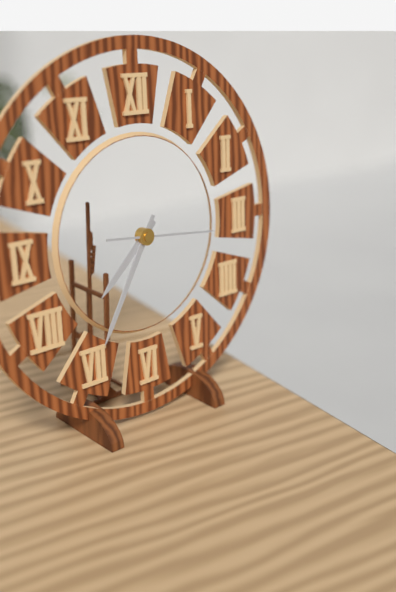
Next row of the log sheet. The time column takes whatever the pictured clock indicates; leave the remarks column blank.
7:35:16
